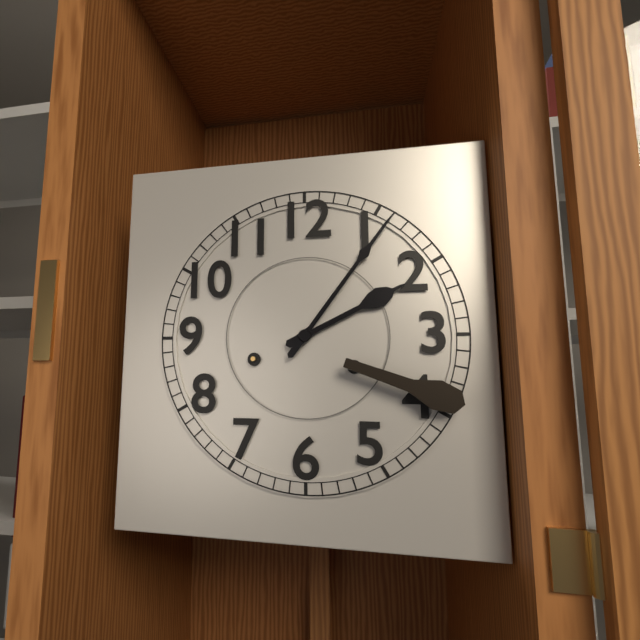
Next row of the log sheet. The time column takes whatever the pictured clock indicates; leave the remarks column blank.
2:06
